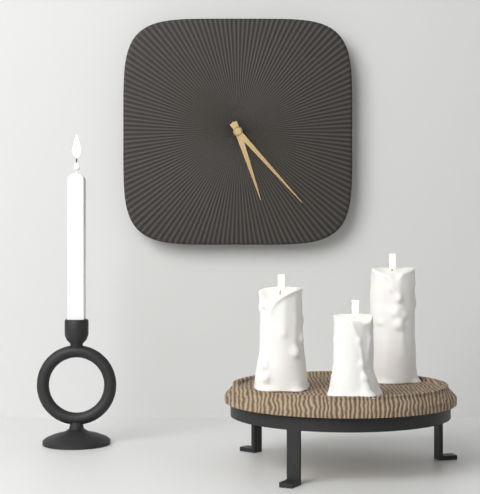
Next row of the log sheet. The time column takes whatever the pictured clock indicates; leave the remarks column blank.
5:23
